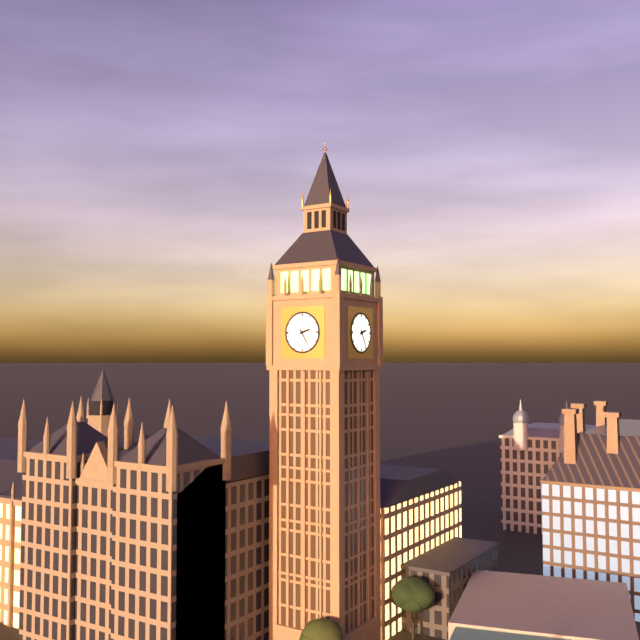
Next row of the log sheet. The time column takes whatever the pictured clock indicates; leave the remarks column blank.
2:25
